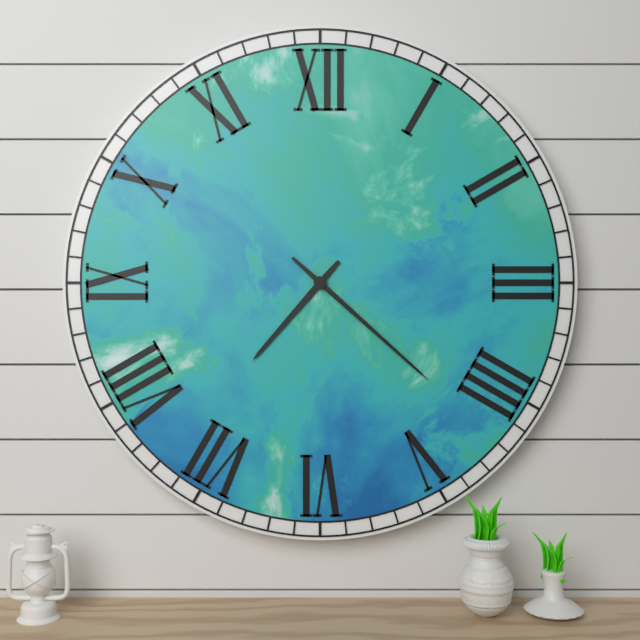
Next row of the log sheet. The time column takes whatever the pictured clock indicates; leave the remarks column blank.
7:22
